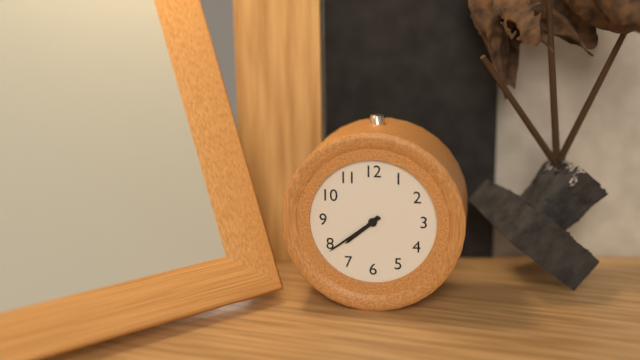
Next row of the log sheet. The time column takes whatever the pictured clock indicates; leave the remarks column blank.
7:39
